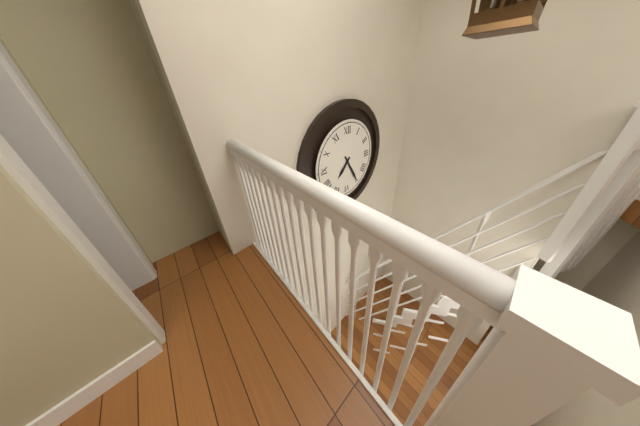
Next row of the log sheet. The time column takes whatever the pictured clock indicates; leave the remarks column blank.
7:25
